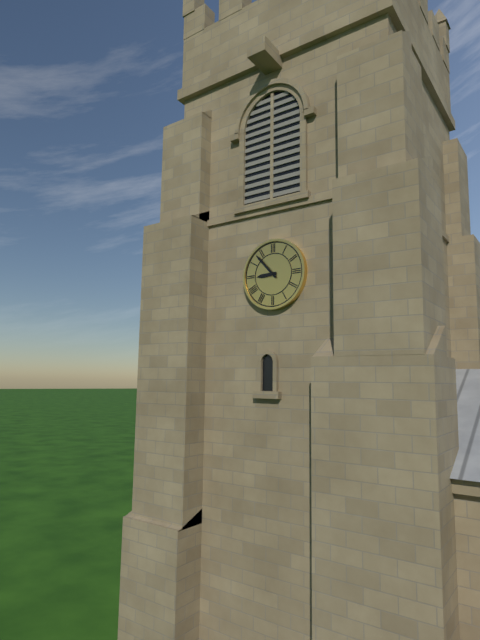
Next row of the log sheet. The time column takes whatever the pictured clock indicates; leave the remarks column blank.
8:53
